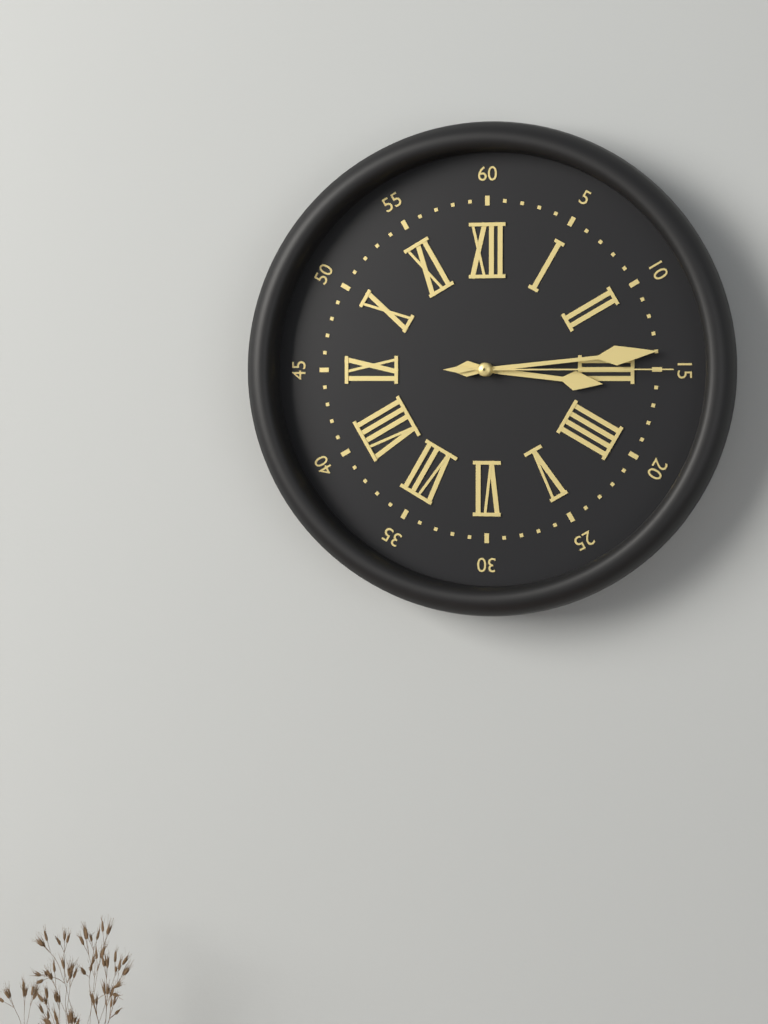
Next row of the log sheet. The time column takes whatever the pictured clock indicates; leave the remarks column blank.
3:14:15
